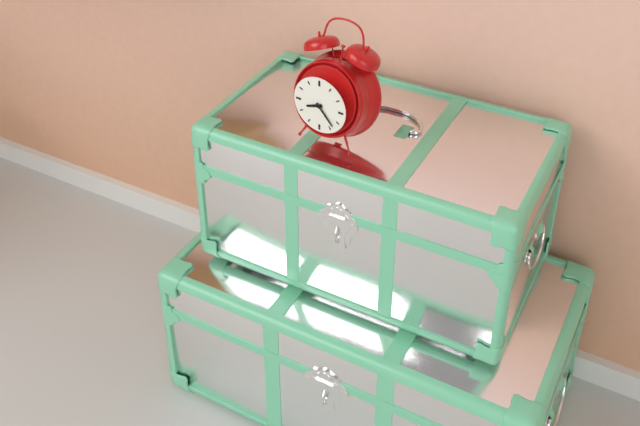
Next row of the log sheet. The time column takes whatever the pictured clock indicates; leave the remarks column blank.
8:23
